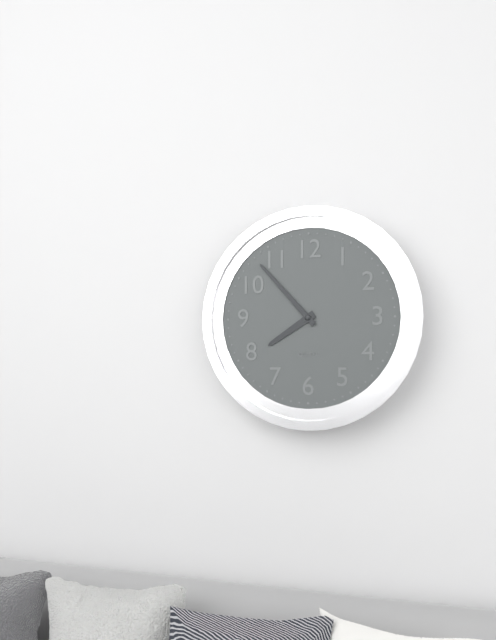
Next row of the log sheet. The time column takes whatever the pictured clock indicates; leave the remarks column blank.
7:53
